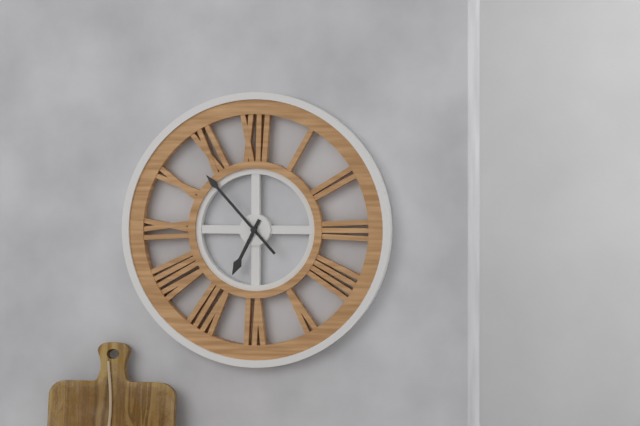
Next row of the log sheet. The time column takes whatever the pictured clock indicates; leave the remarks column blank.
6:53
